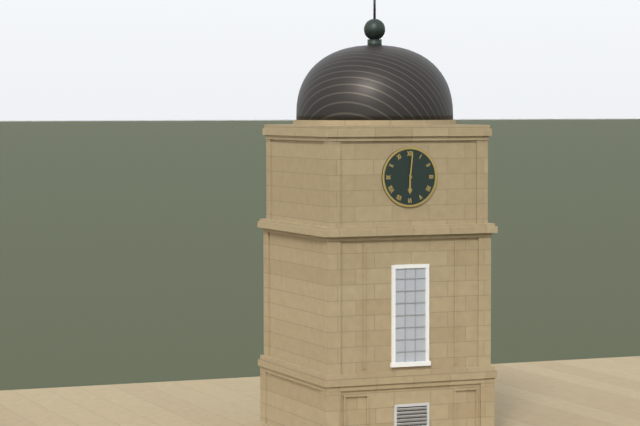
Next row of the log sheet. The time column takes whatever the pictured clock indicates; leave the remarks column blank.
6:01
